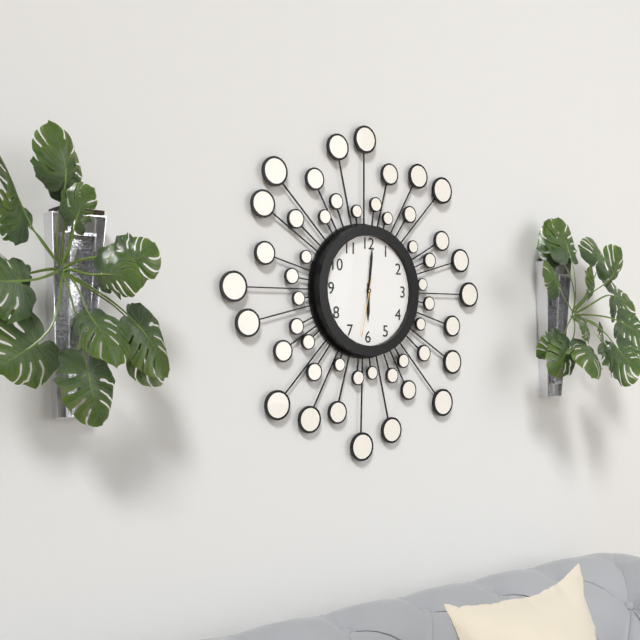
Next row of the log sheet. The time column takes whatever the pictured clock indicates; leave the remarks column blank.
6:01:32
